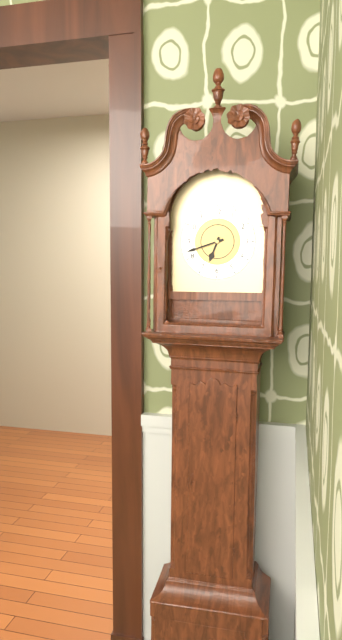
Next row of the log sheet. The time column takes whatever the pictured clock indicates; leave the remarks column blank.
6:42
